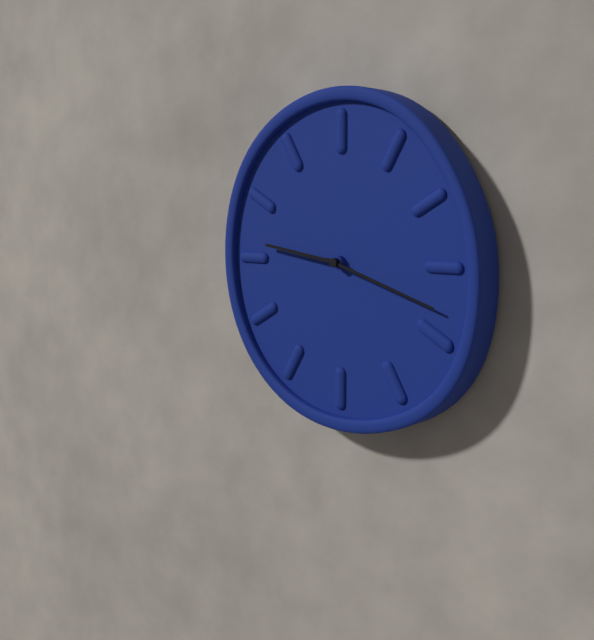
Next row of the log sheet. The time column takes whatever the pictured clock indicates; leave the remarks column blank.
9:18
